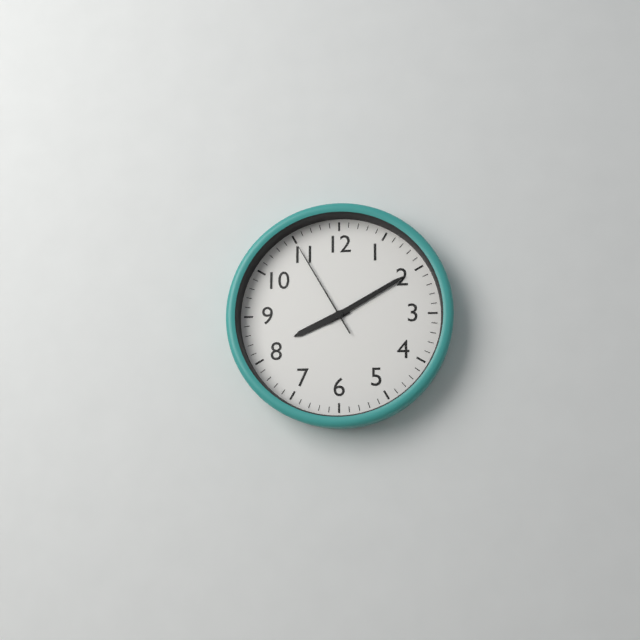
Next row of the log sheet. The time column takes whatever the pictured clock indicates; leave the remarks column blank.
8:10:55
